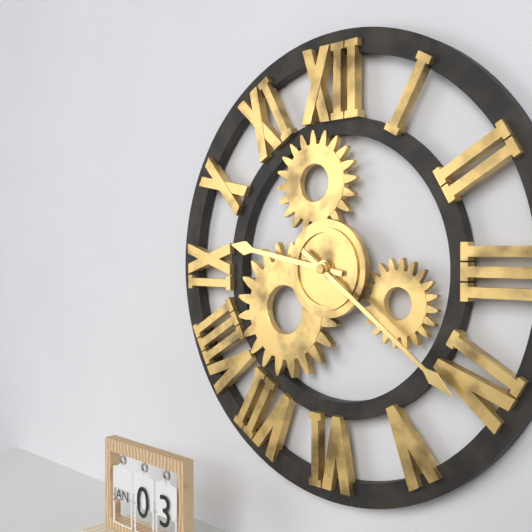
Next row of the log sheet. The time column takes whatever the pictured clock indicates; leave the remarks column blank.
9:21
